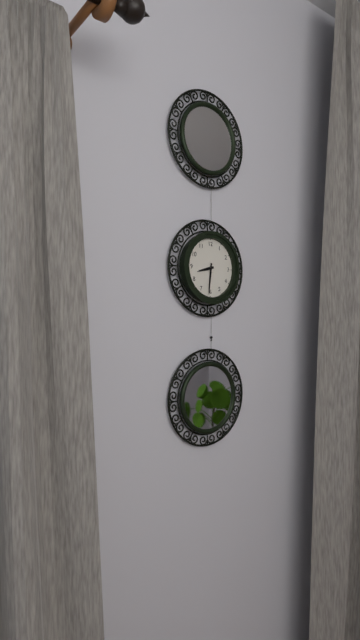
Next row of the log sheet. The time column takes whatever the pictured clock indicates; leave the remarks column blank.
8:31
